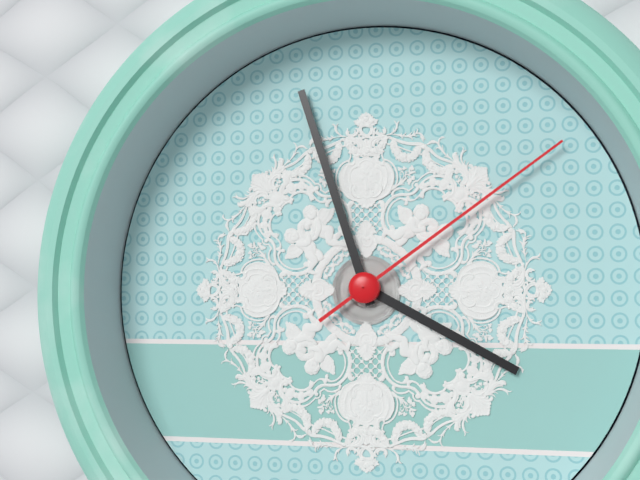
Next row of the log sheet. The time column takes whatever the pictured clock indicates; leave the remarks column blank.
3:57:09
